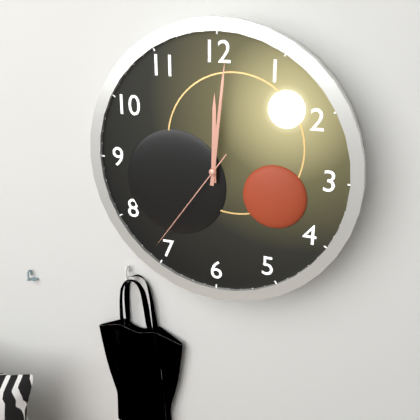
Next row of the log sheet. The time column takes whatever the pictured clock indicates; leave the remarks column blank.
12:01:36
